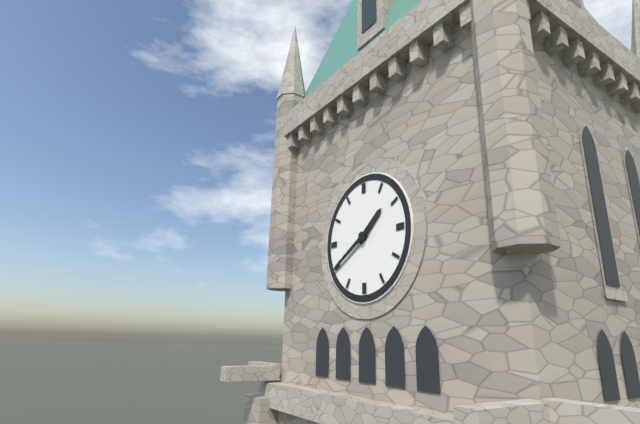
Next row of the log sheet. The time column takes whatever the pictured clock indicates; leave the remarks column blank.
1:40
